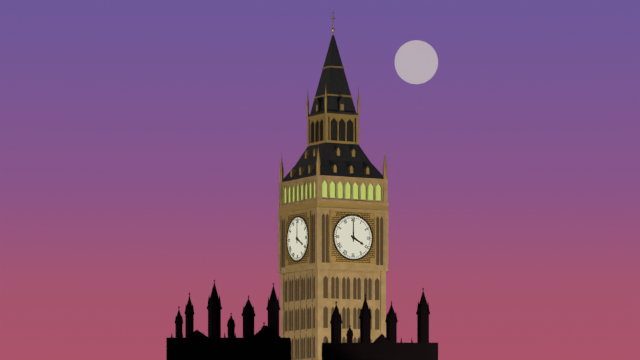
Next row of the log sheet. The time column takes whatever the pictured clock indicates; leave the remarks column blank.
4:00
